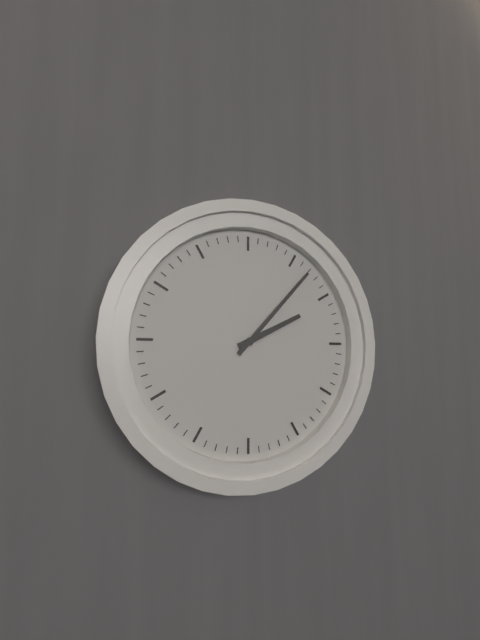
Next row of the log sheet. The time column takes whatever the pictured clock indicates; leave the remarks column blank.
2:07
